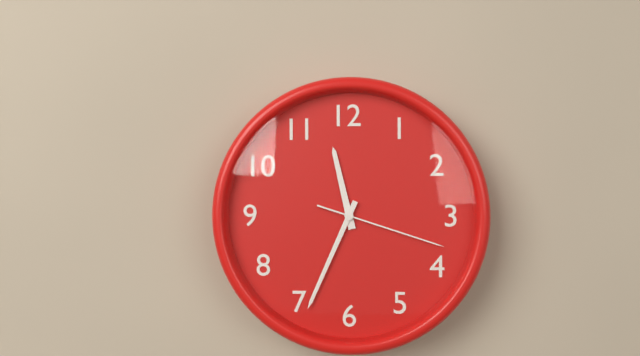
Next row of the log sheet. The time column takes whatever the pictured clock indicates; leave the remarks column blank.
11:34:18
